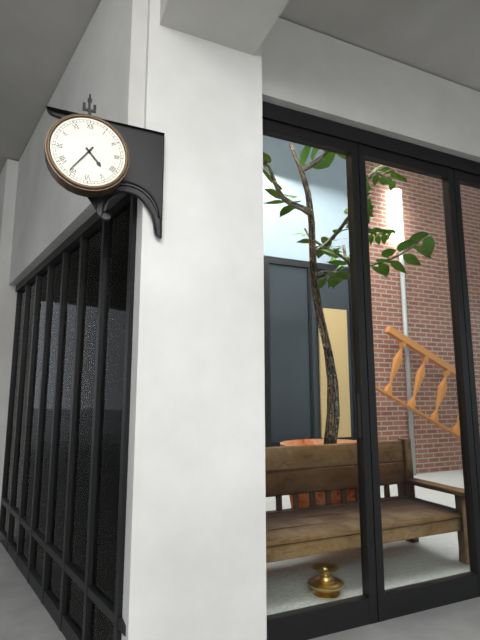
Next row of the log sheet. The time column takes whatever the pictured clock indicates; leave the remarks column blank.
4:36
